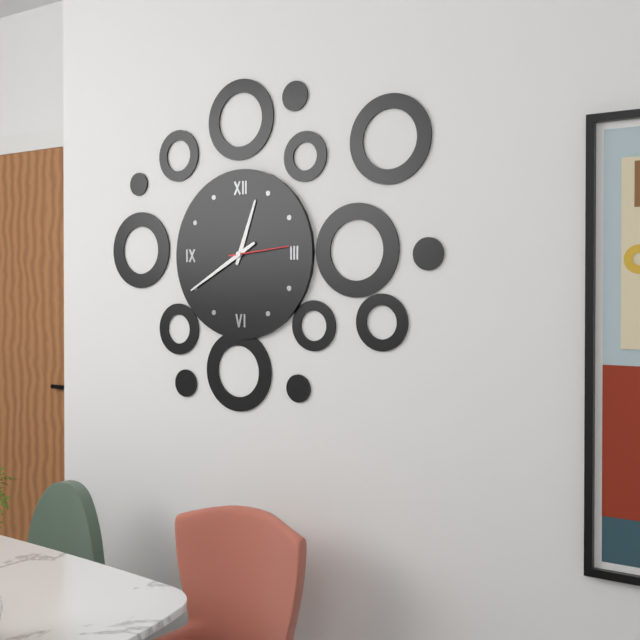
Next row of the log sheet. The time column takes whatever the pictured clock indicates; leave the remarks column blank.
12:40:14
